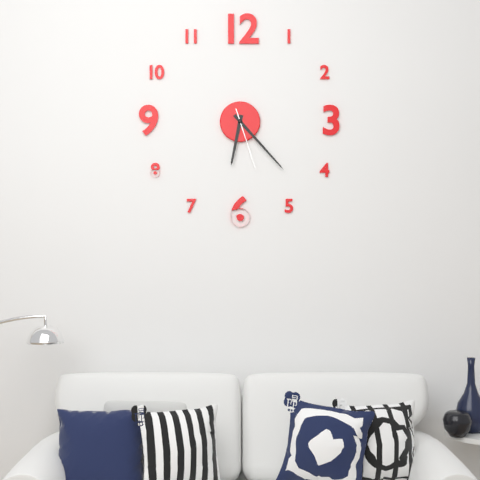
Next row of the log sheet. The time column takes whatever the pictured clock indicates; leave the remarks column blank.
6:23:27
